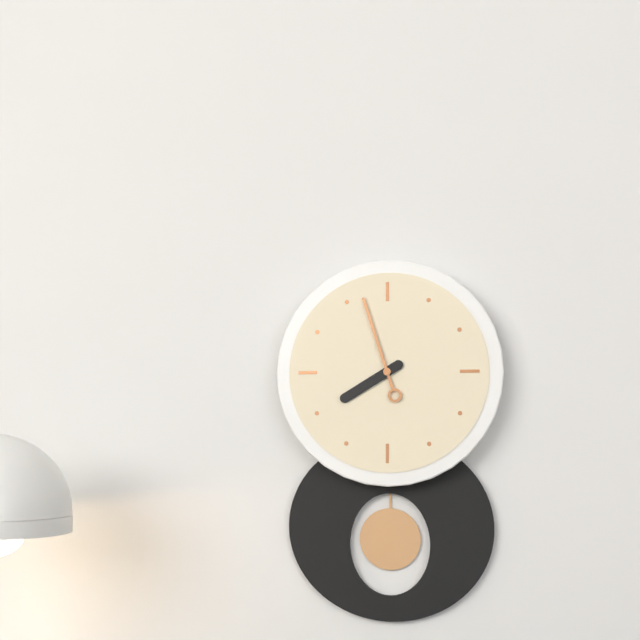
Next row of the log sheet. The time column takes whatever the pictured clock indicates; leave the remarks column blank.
7:57
